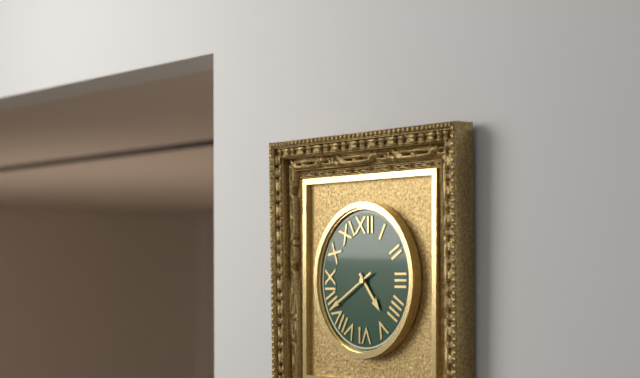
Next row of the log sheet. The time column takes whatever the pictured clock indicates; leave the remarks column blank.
4:40
